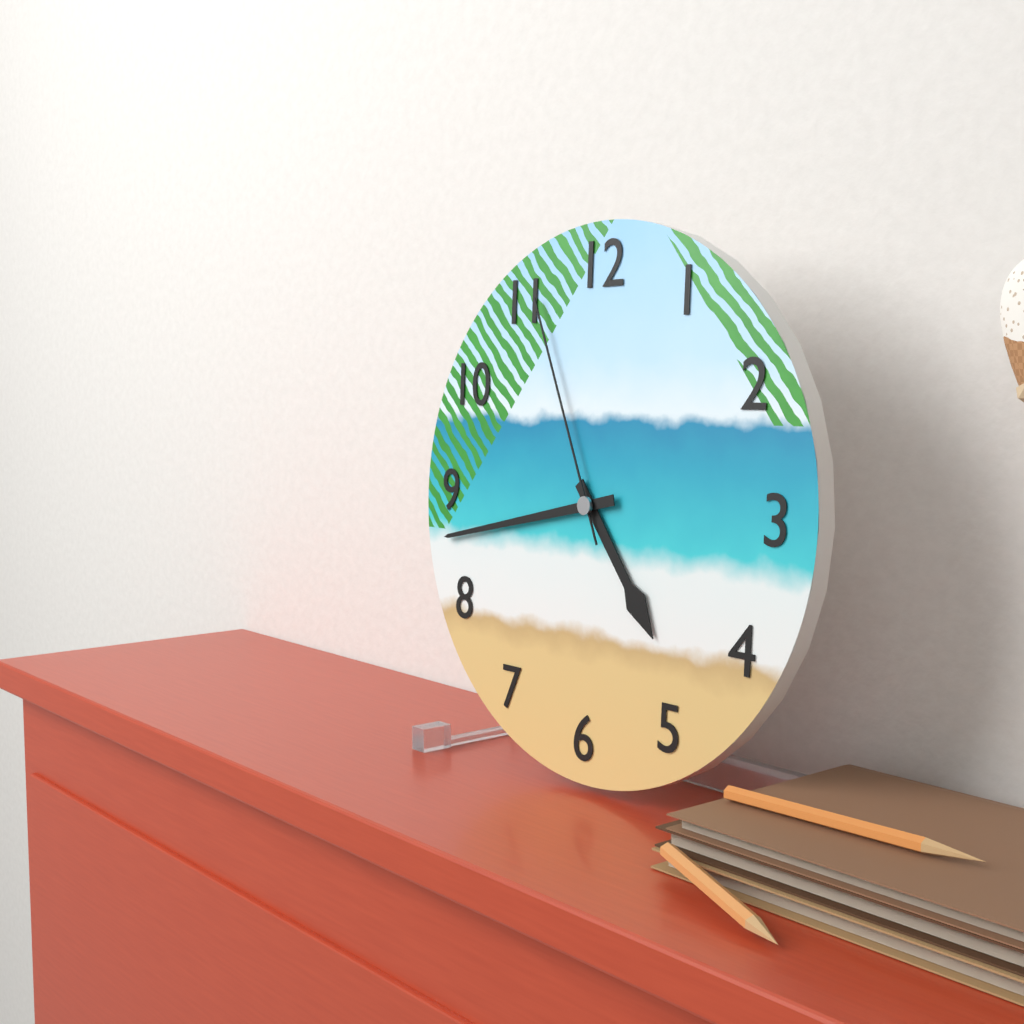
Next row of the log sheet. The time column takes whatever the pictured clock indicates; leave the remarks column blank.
4:43:56
